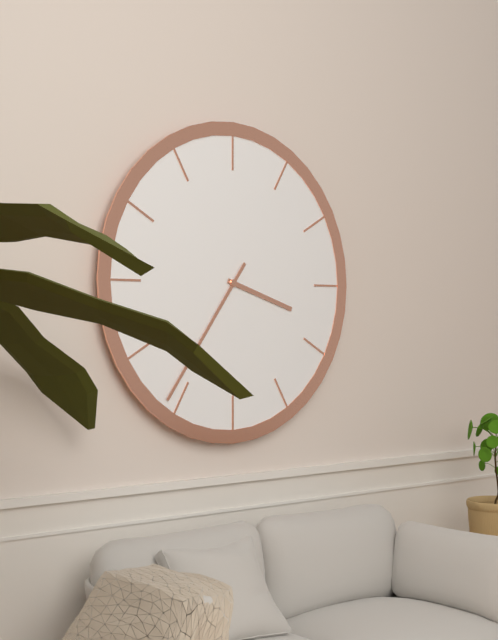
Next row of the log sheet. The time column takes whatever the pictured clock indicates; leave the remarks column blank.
3:36
